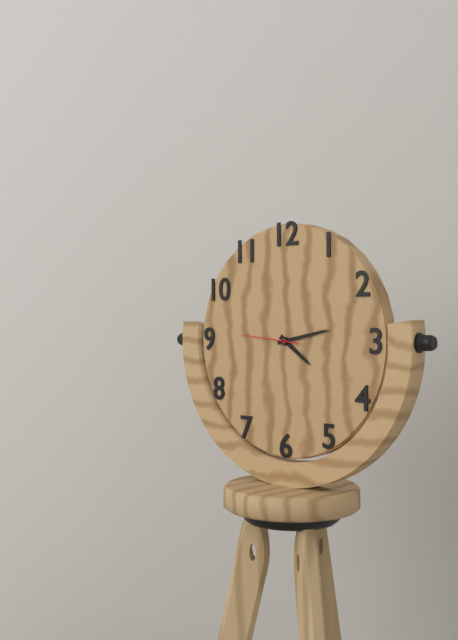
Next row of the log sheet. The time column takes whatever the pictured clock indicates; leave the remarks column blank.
4:13:46
